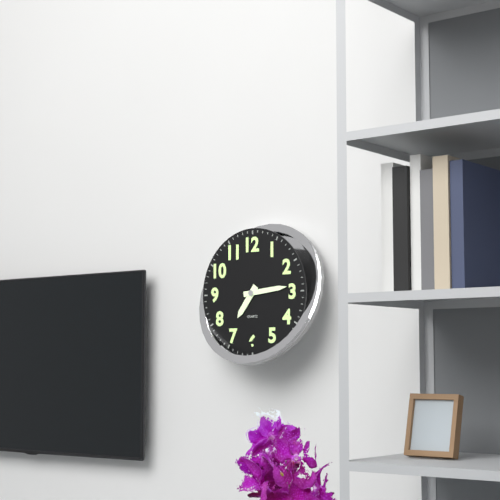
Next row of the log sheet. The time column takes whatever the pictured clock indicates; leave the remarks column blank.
7:14
